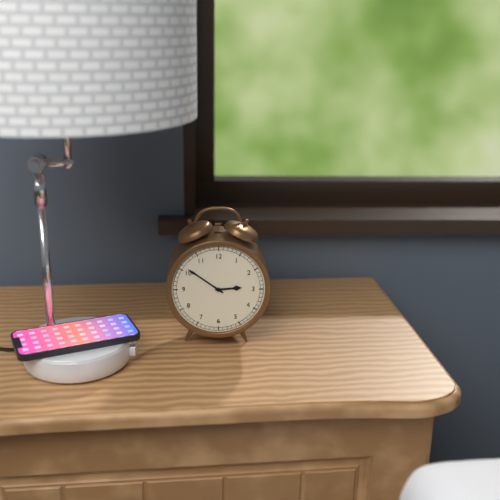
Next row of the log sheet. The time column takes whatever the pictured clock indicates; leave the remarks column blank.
2:51
